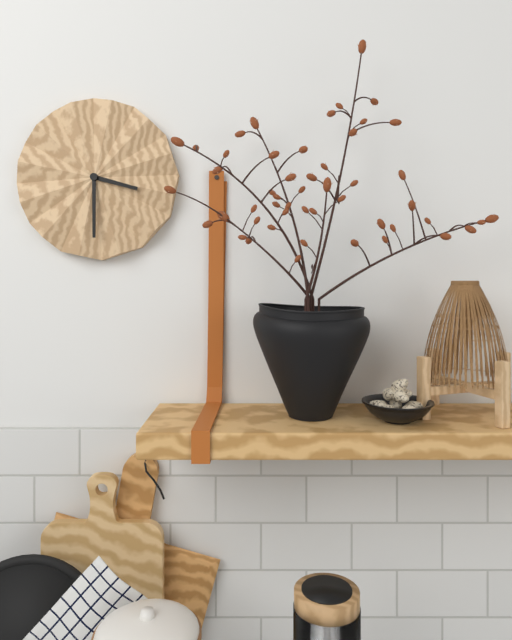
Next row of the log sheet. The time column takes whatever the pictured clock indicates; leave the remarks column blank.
3:30
